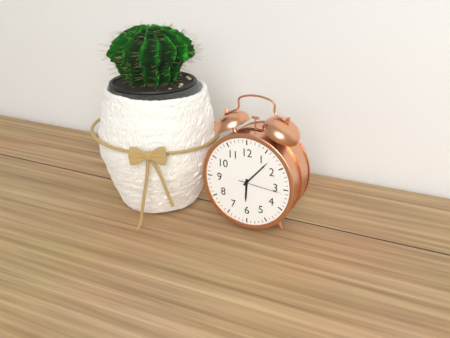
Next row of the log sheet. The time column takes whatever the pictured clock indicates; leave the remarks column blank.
6:07
